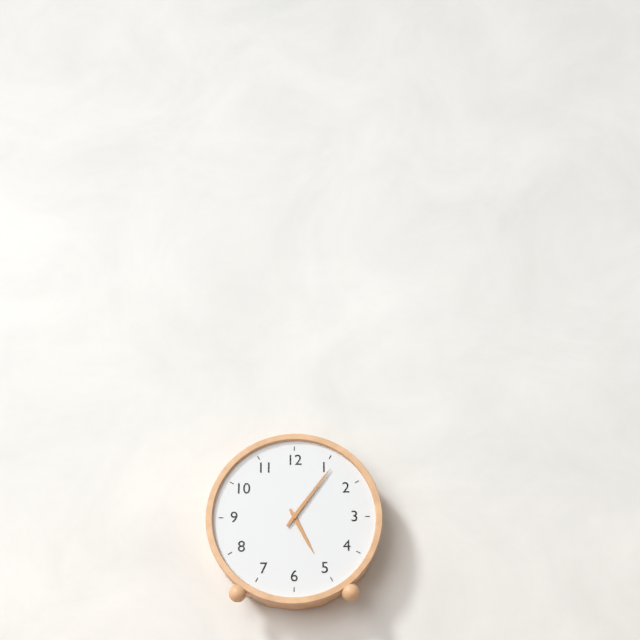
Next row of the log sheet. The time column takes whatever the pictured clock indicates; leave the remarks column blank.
5:06
